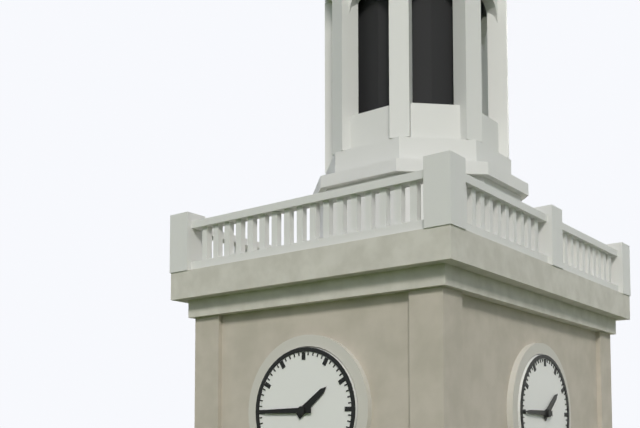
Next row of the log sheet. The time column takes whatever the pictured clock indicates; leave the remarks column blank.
1:45
